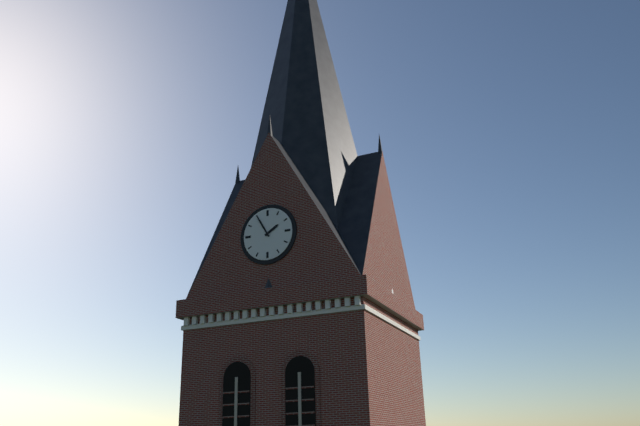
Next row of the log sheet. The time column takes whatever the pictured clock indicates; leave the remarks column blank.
1:55
